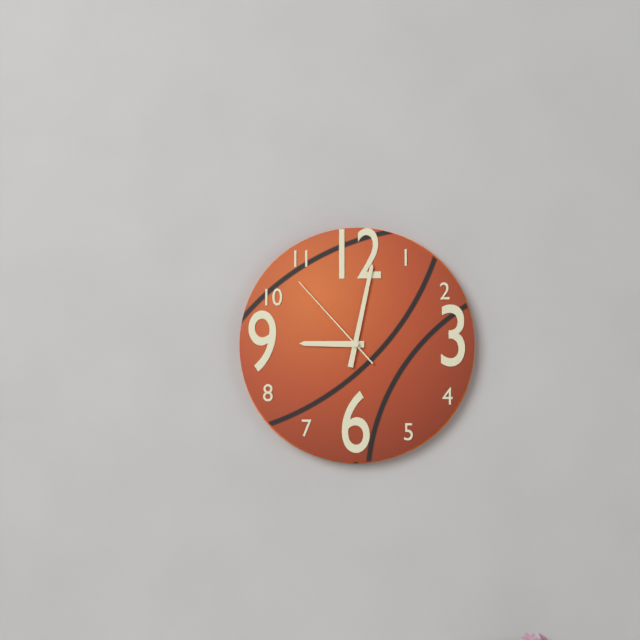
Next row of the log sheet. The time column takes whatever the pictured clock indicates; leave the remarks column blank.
9:02:53
